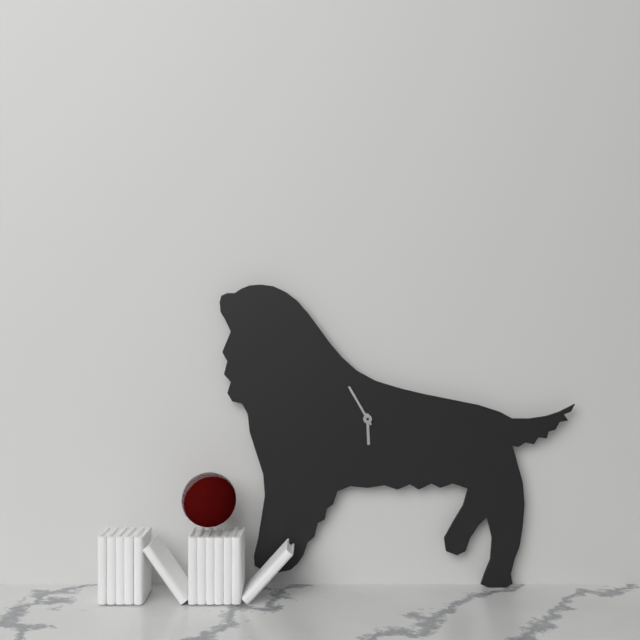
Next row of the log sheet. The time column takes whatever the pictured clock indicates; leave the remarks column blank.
5:55
